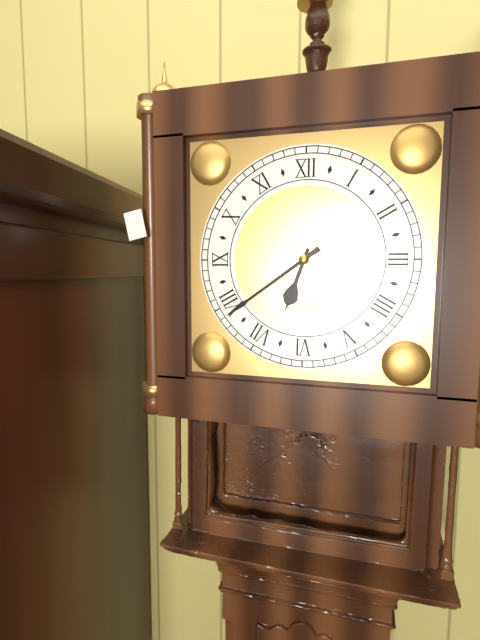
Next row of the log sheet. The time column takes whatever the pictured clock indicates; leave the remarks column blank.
6:39
